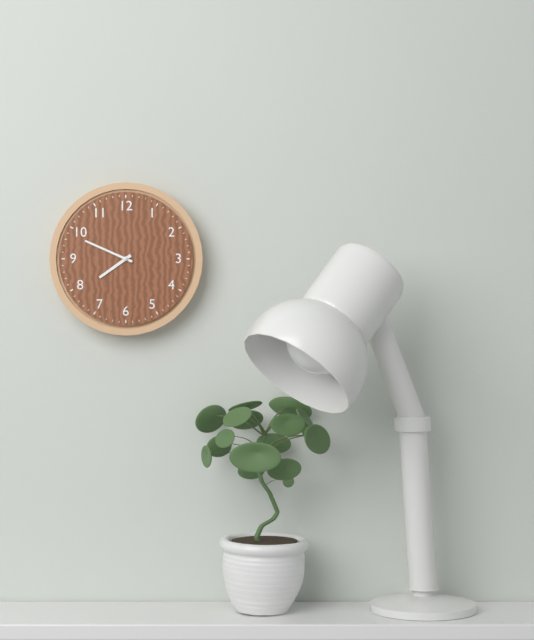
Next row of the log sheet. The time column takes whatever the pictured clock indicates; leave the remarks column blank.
7:49
